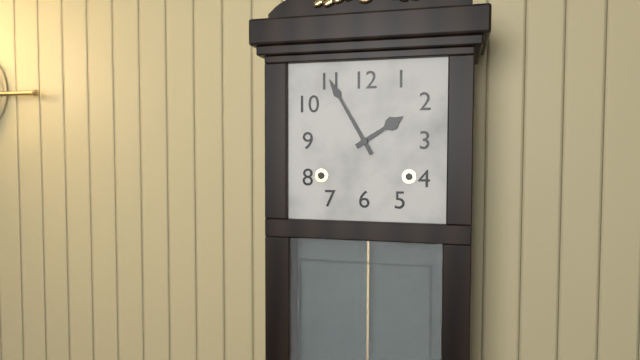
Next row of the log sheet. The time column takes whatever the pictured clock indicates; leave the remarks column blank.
1:55
